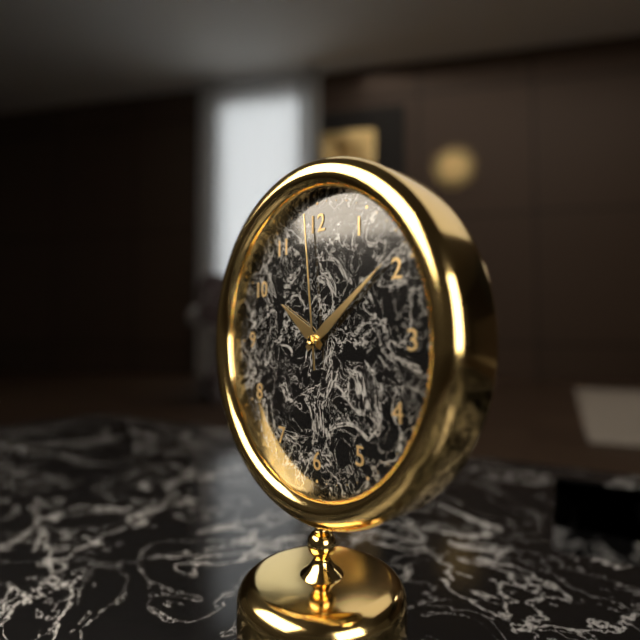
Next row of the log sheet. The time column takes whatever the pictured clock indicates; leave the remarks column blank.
10:09:59
